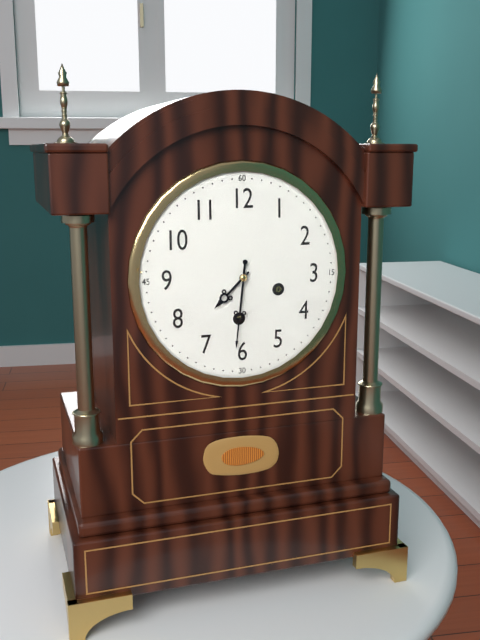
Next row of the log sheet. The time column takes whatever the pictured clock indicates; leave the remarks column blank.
7:31
